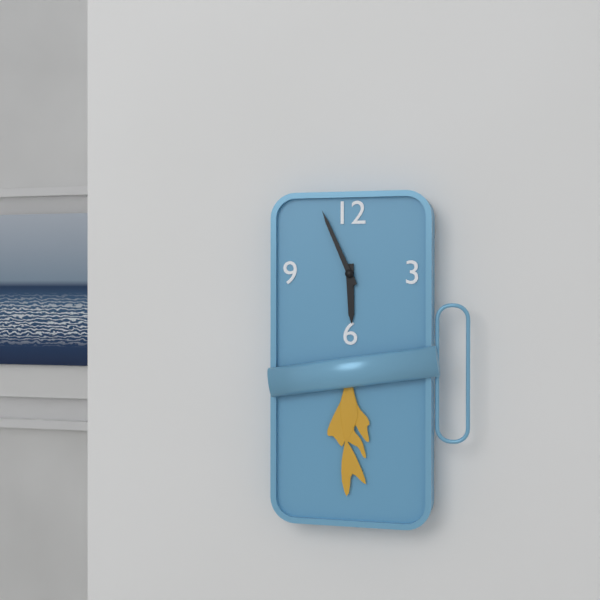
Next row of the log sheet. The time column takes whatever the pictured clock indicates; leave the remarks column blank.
5:56
